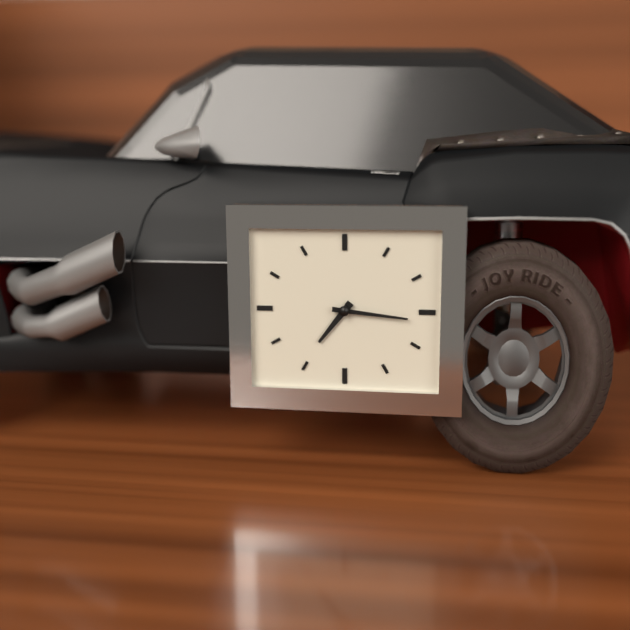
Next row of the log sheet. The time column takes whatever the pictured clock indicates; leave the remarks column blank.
7:16
